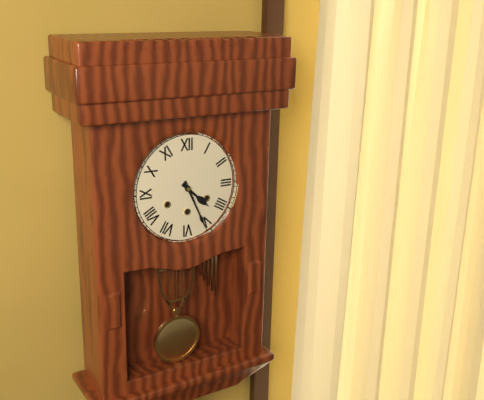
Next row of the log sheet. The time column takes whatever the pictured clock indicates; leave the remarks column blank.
4:26
